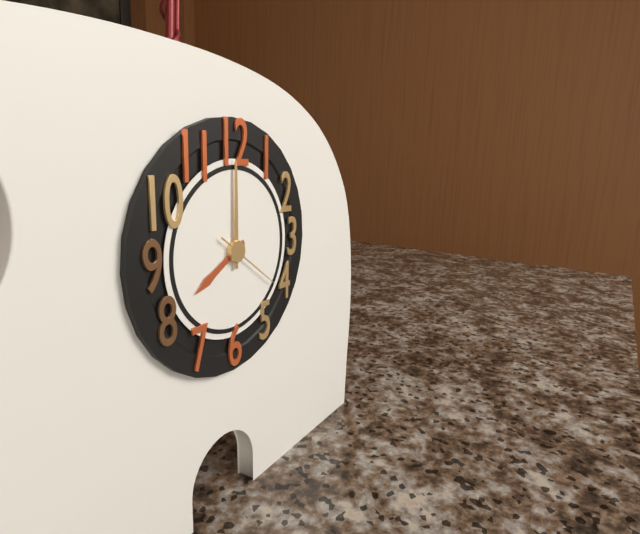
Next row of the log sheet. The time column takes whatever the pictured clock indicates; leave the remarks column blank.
8:00:21
